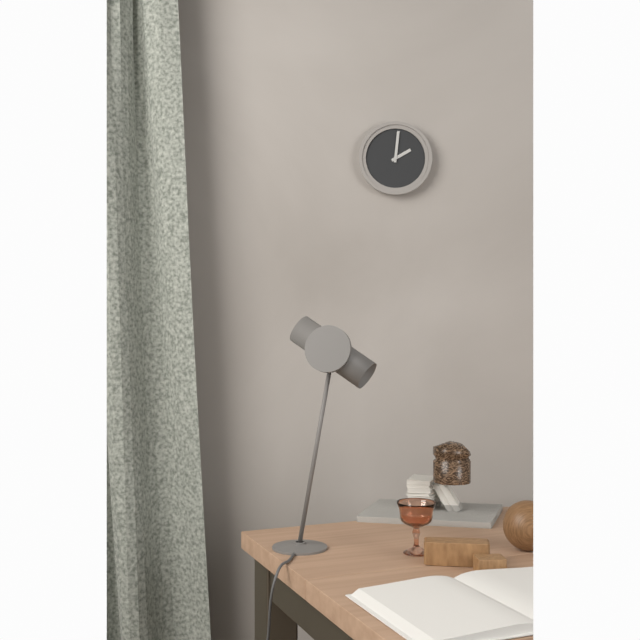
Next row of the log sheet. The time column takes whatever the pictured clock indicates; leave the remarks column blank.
2:01
